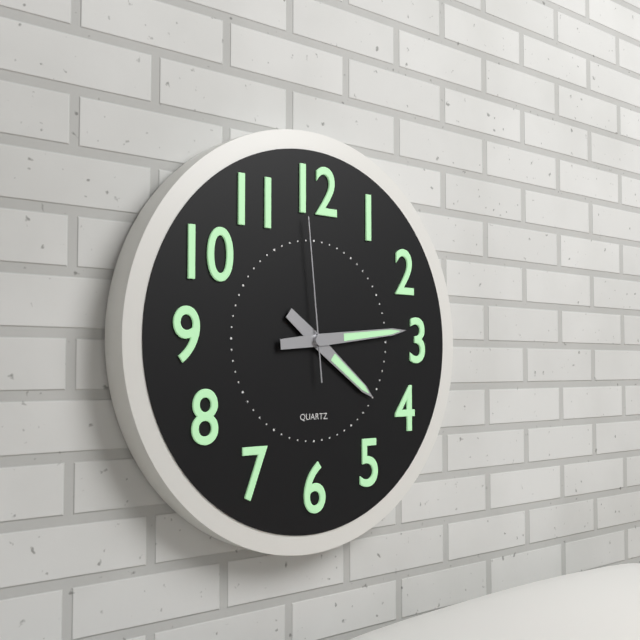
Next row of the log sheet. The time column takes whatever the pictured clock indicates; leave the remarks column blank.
4:14:59
